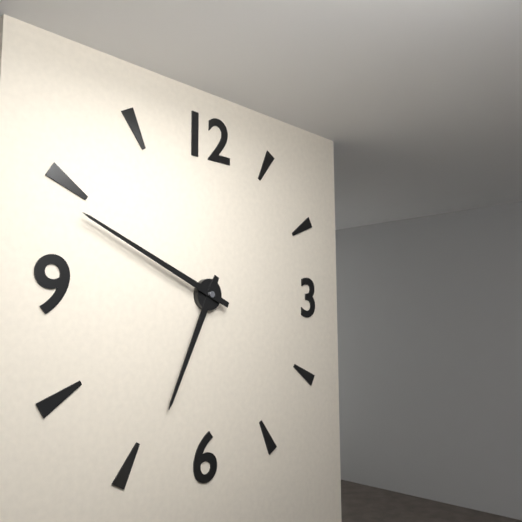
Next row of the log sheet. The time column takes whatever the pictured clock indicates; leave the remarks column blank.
6:49
